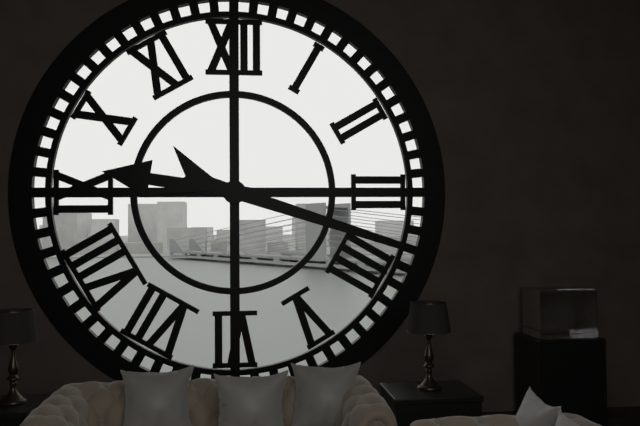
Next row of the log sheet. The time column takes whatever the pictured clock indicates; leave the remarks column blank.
9:18
